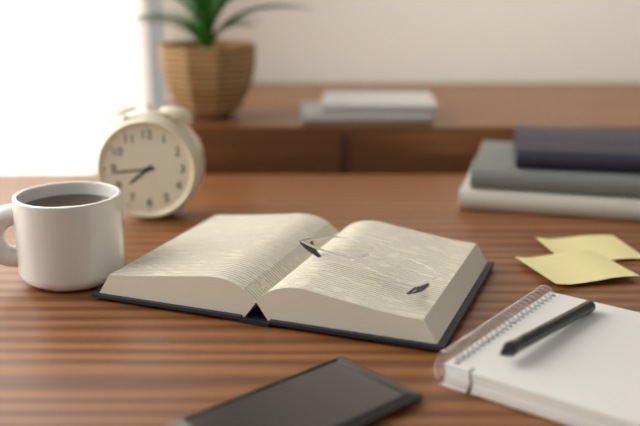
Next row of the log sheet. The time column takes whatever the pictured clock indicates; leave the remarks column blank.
7:44
